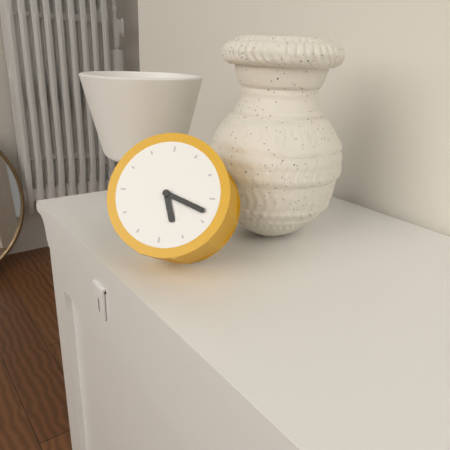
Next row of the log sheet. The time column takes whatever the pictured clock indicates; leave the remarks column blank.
5:18
